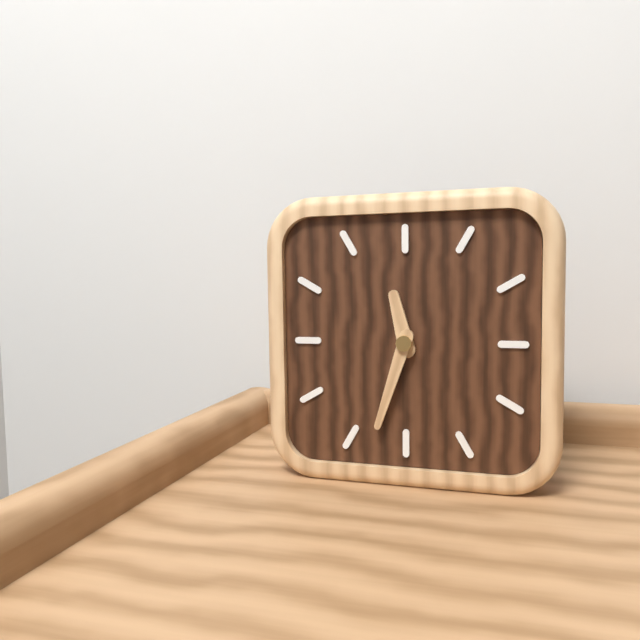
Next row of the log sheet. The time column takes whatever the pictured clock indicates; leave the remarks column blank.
11:33
